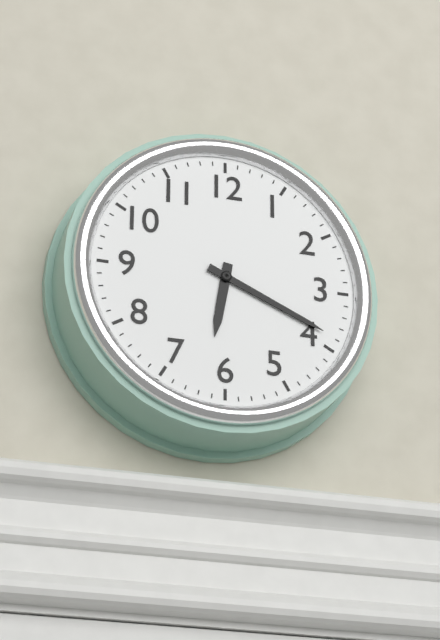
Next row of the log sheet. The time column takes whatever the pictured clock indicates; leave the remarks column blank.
6:19
